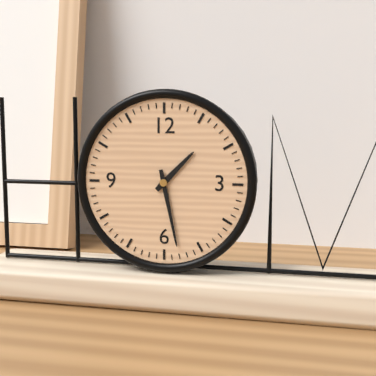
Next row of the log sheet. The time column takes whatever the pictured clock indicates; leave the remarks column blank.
1:28
